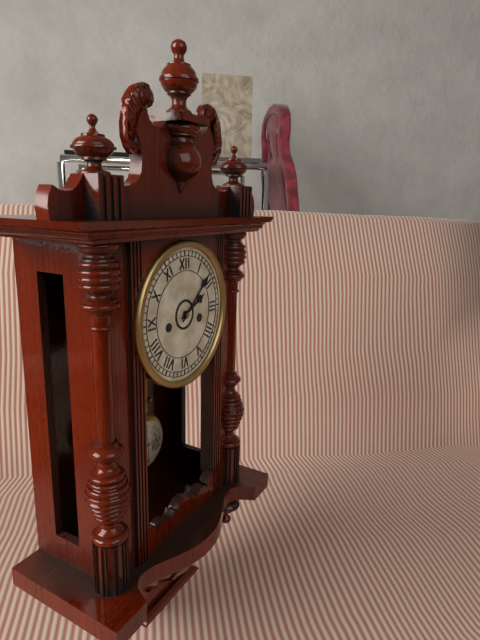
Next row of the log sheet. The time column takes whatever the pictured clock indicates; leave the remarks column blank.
2:08
